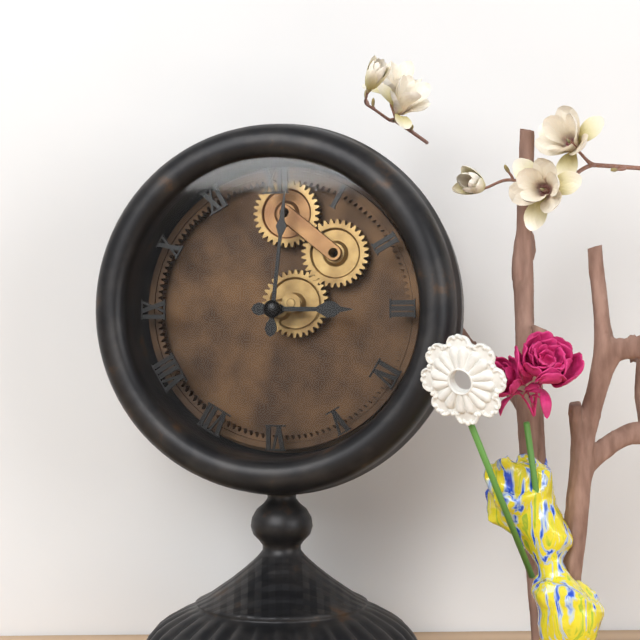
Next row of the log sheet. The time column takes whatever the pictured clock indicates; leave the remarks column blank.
3:01
